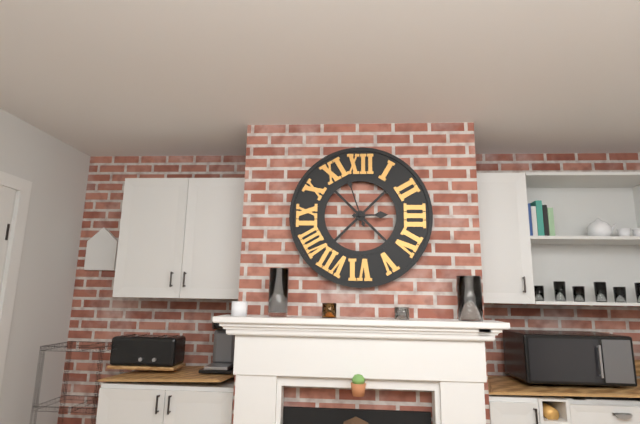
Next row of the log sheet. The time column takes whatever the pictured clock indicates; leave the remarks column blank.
2:57
